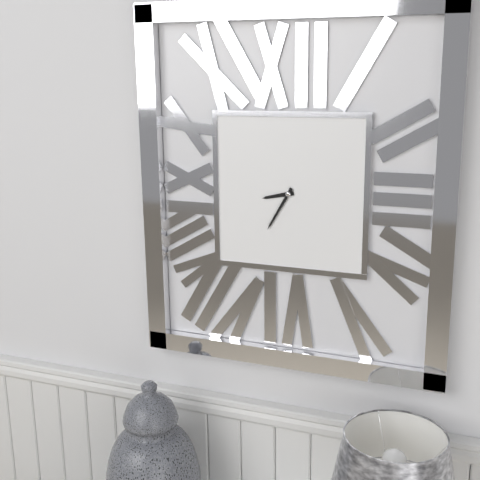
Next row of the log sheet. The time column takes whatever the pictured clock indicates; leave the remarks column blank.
8:35
